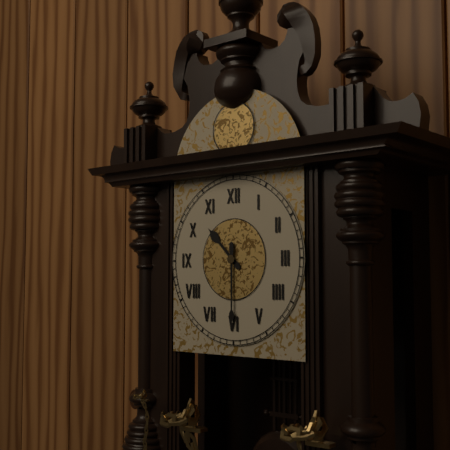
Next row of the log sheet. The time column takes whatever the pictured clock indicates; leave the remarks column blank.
10:30
